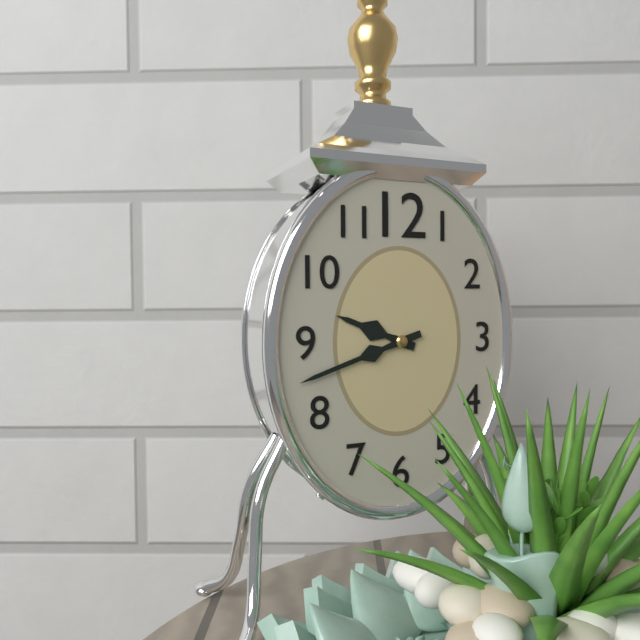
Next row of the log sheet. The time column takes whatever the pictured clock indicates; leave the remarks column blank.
9:42
